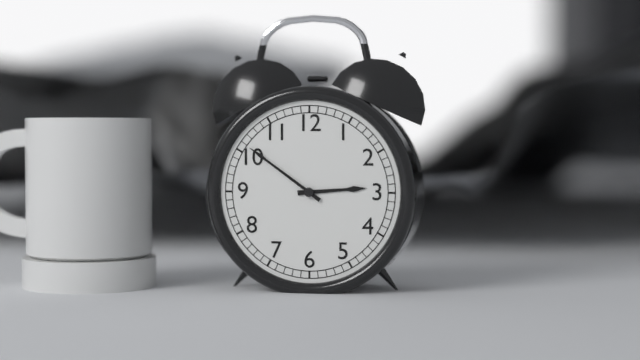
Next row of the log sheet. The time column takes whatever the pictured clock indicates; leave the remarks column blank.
2:51
